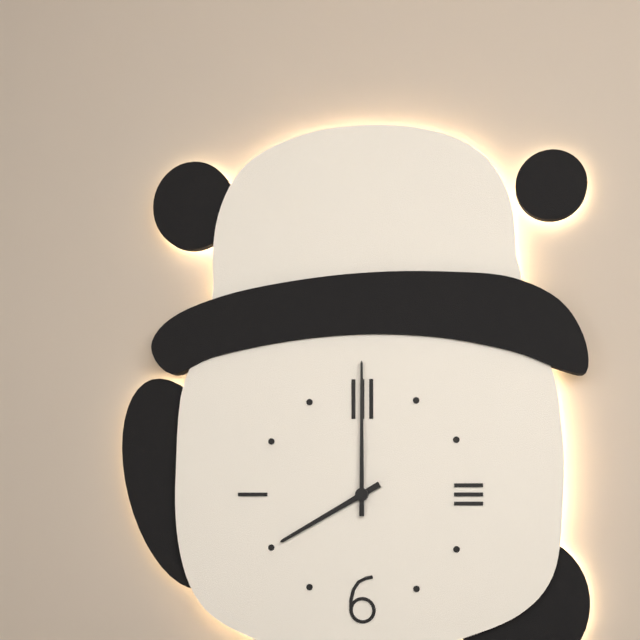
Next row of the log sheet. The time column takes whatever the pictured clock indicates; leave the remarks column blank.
8:00
